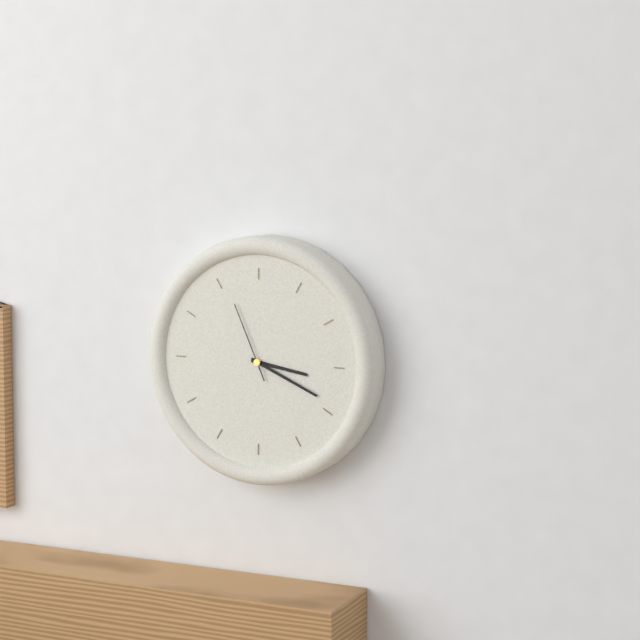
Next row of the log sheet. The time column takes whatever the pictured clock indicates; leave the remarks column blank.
3:19:56
